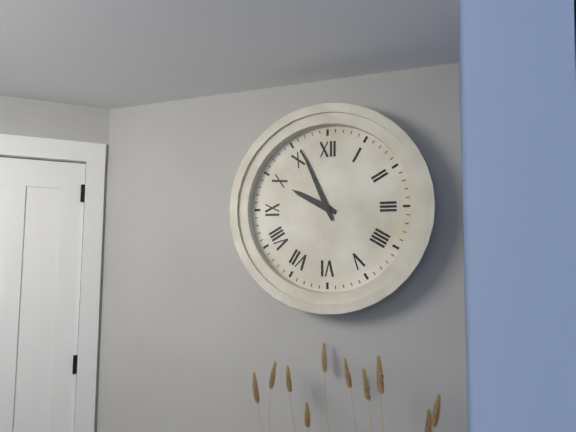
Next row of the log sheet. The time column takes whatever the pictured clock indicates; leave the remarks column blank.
9:56
